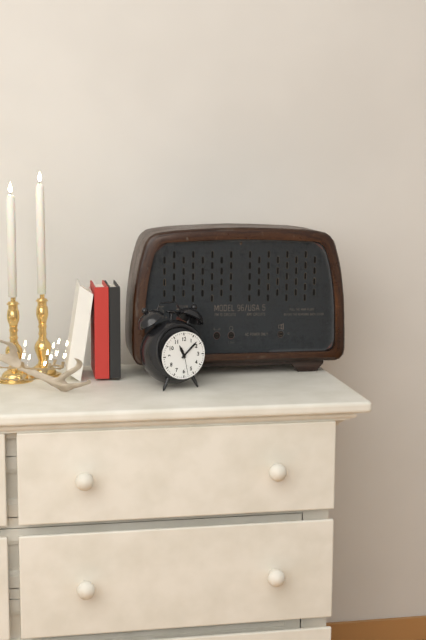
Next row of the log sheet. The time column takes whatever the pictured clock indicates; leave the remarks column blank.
11:08
